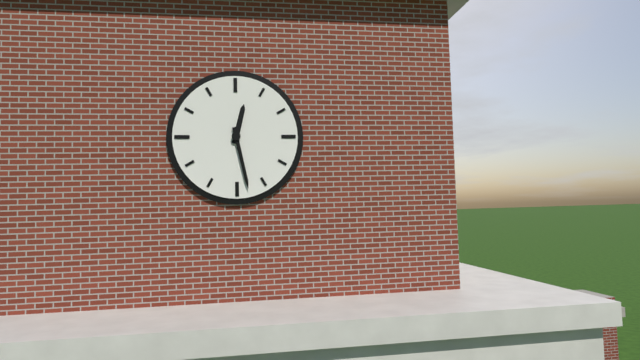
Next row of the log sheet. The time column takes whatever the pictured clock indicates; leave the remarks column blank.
12:28
